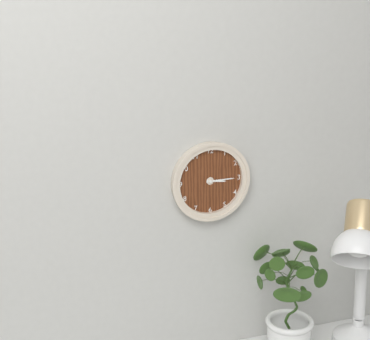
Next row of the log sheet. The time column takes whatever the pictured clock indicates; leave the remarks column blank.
3:15
